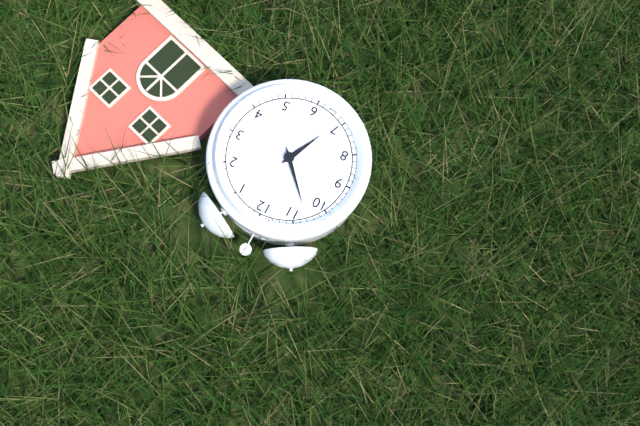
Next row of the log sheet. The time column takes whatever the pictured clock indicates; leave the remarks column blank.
6:53
